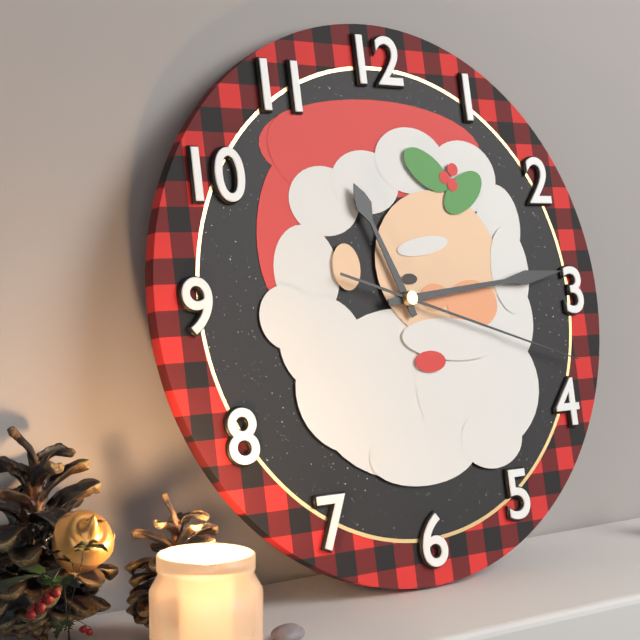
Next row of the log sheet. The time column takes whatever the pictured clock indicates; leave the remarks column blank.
11:14:18
